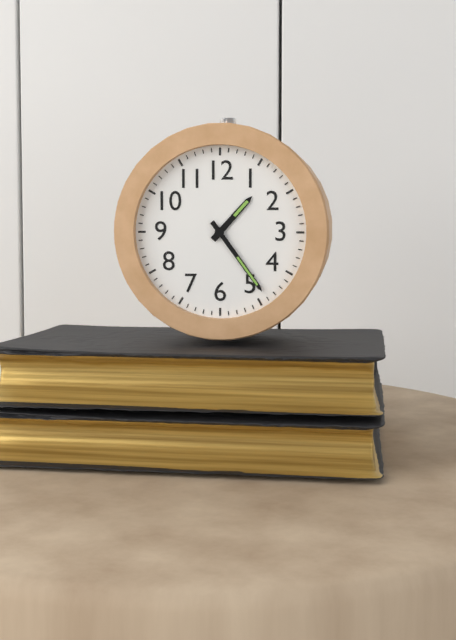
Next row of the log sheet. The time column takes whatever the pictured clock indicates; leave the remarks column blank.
1:24
